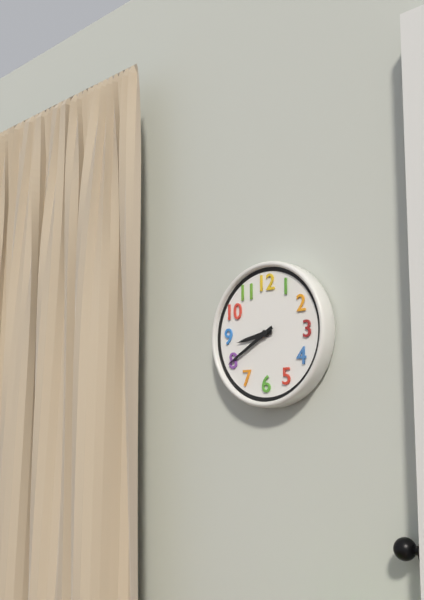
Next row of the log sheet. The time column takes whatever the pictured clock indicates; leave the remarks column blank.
8:40
